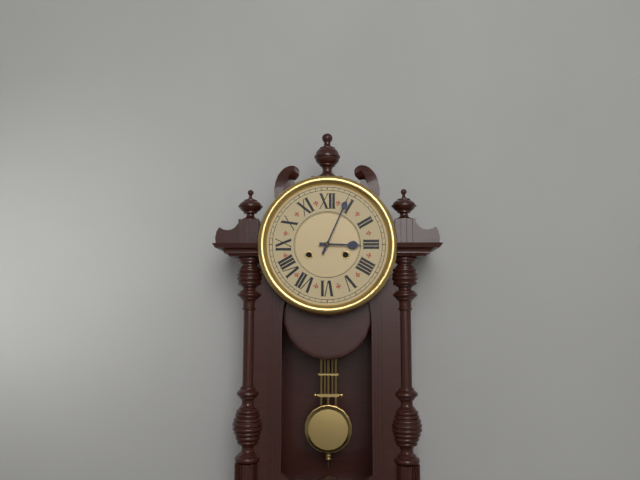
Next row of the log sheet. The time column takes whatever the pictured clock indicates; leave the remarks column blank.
3:04
